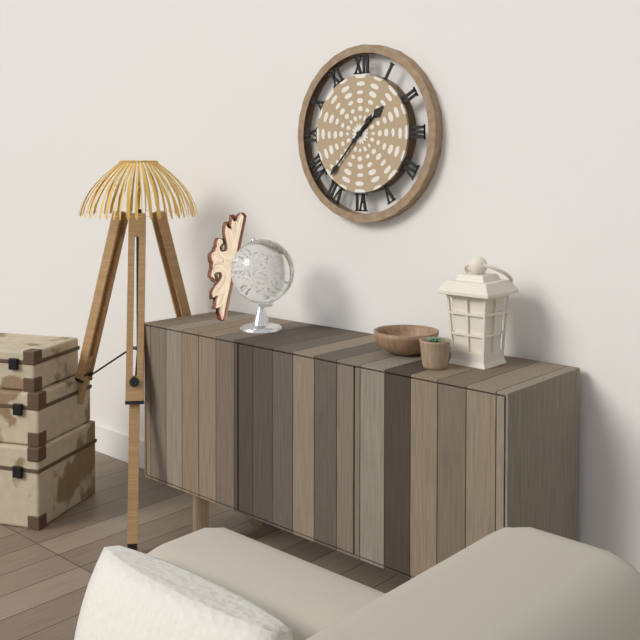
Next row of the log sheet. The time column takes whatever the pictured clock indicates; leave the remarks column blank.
1:37
